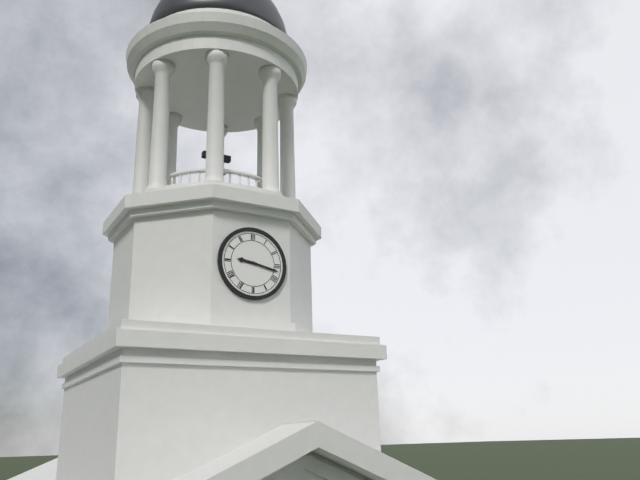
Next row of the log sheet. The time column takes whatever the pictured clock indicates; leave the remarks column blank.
9:17
